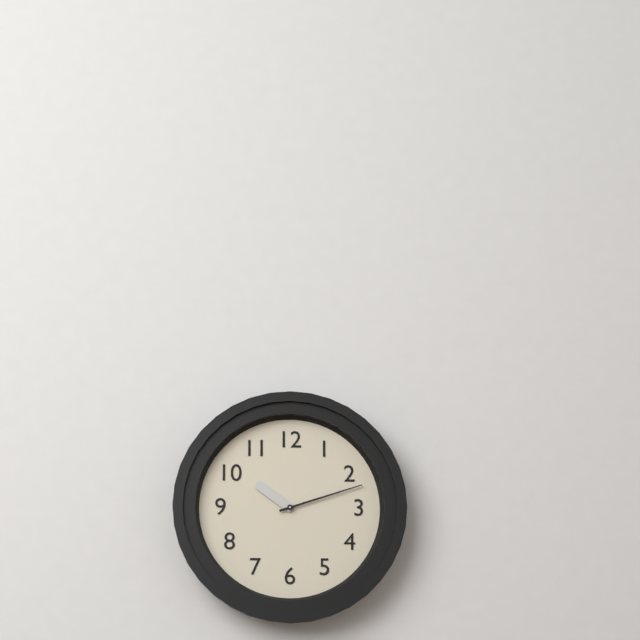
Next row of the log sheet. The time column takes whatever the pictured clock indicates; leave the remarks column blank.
10:12
